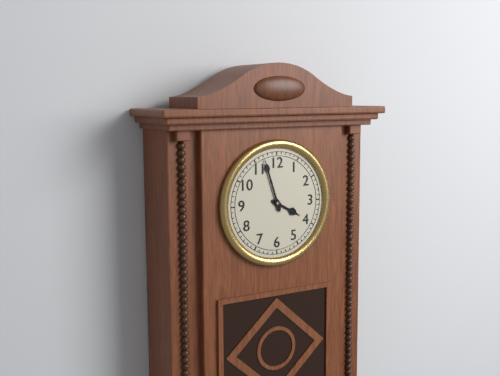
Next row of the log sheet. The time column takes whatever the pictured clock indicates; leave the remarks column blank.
3:57
